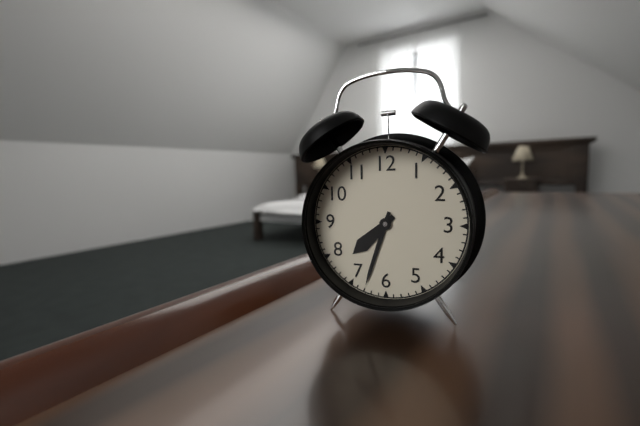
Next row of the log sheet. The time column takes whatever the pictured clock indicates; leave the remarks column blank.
7:33
